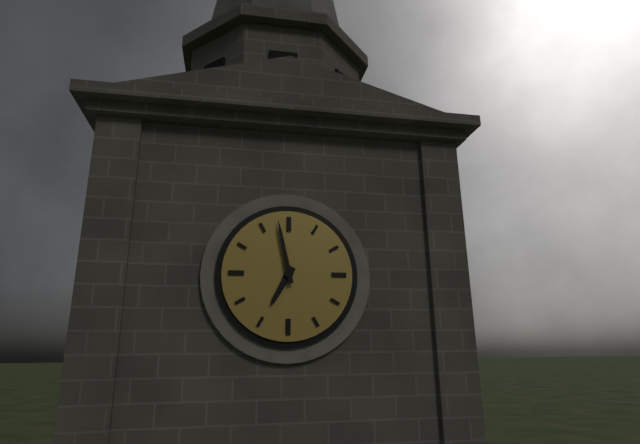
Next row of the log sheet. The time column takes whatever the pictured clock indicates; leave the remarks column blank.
6:58
